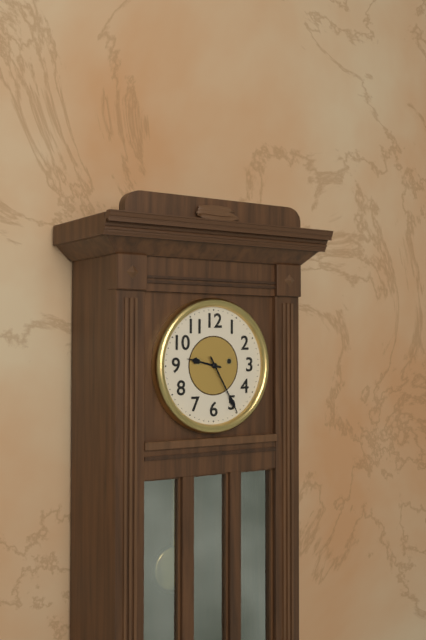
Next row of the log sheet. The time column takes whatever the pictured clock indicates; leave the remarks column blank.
9:25
